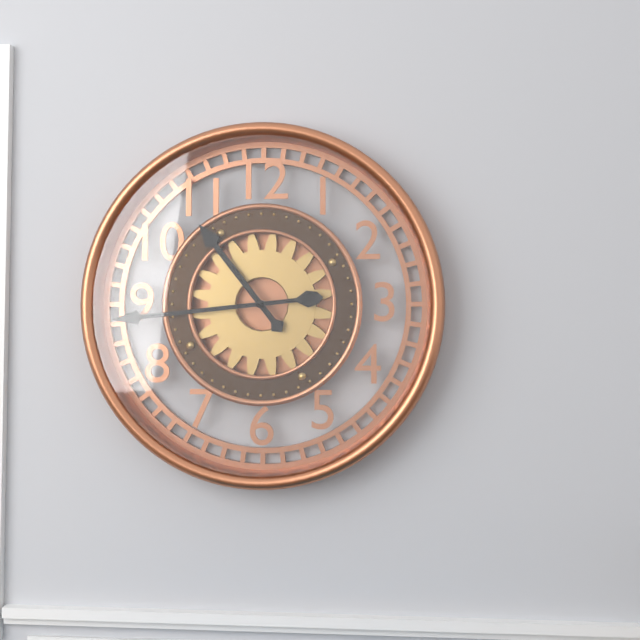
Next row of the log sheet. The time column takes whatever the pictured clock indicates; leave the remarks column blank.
10:44
